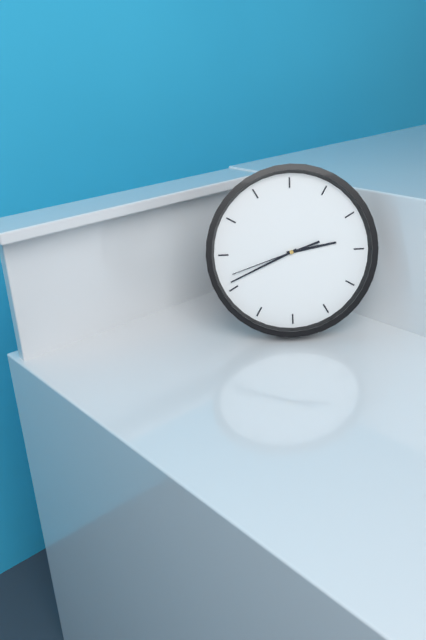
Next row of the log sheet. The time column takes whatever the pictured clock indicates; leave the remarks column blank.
2:41:42
